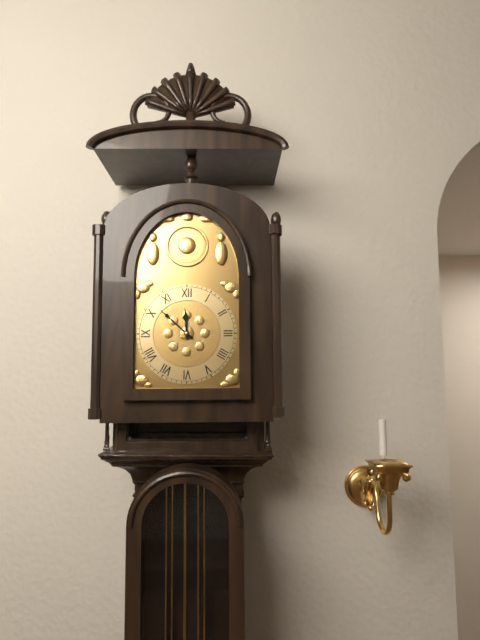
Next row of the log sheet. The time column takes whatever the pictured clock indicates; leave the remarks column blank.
11:52
